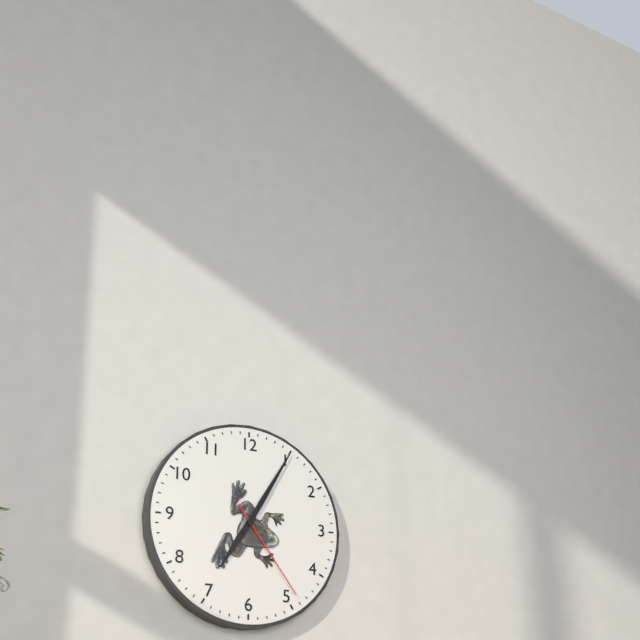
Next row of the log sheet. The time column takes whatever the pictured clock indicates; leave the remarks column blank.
7:05:24
